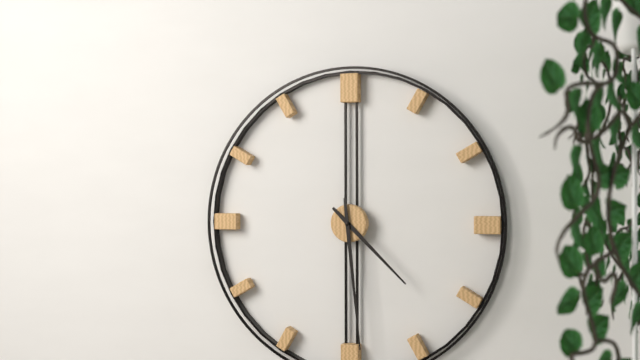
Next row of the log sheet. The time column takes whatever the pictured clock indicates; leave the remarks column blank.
4:29
